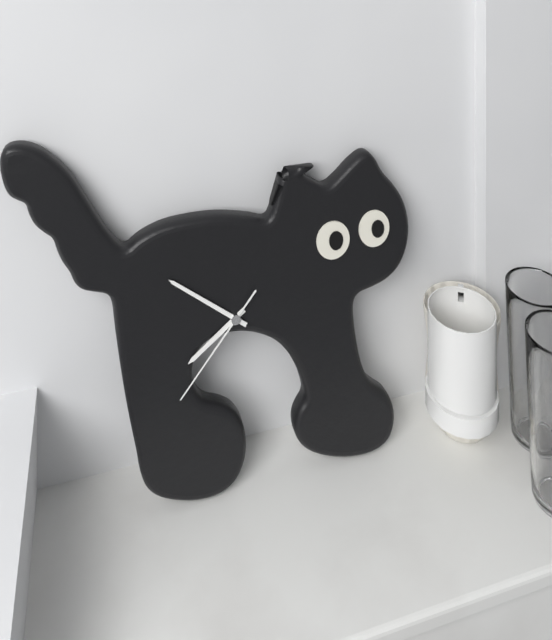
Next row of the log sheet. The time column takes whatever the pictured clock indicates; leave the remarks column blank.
7:51:37
